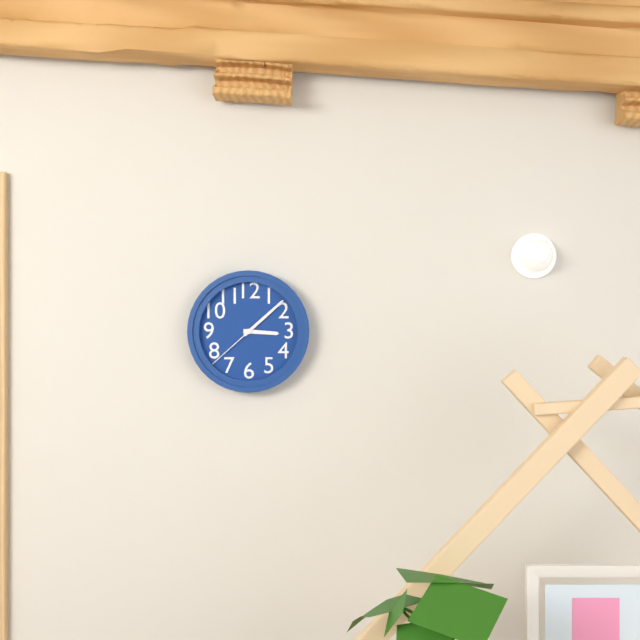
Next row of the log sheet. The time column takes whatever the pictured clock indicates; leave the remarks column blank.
3:08:38
